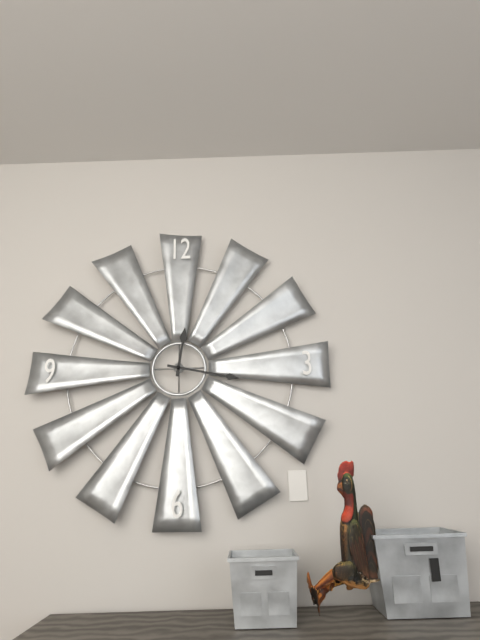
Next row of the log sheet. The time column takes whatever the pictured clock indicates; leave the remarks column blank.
12:17
